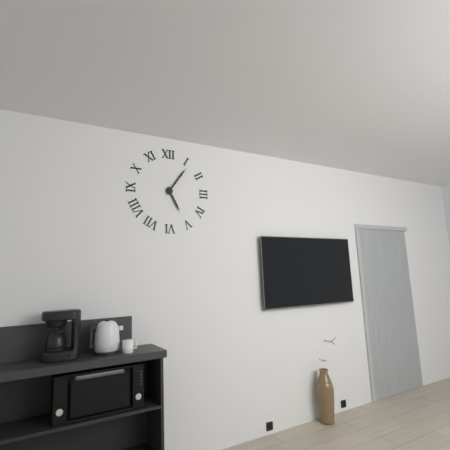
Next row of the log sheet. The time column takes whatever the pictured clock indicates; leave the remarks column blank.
5:06
